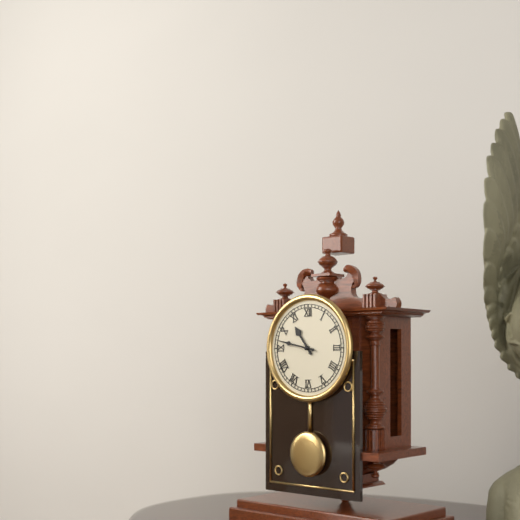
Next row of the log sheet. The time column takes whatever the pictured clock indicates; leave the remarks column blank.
10:47
